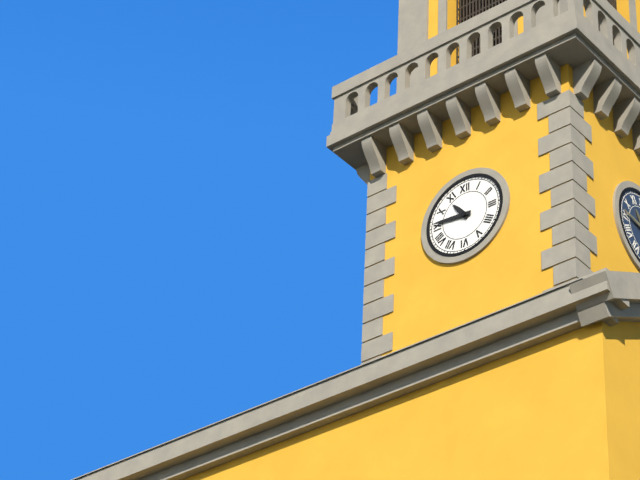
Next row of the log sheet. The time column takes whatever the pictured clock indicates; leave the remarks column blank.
10:46
